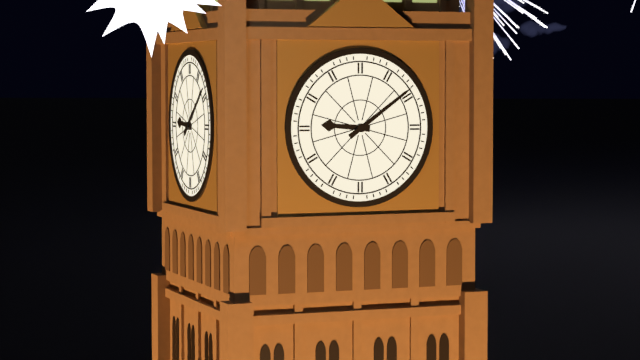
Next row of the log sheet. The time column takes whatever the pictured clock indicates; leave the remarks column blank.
9:09
